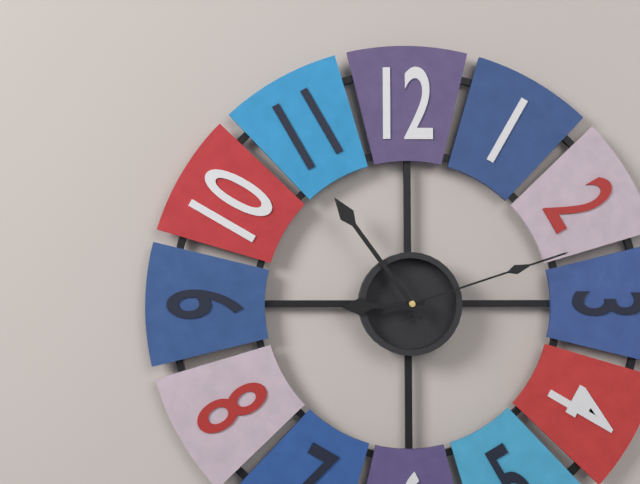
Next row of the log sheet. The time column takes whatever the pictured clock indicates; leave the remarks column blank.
8:54:12
